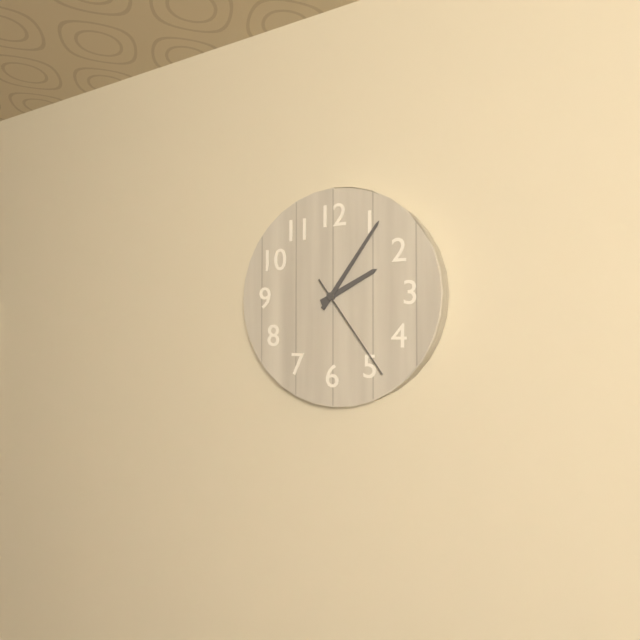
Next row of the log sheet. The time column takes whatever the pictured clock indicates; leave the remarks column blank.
2:06:24
